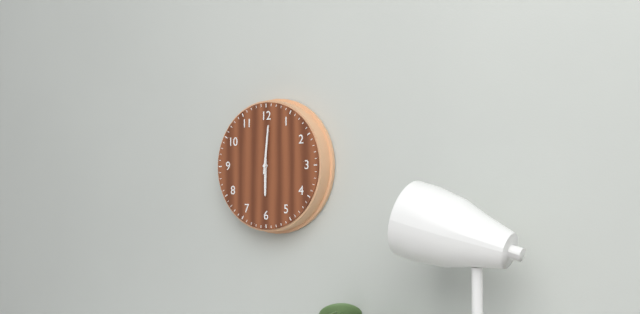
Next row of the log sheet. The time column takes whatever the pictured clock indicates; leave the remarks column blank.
6:01
